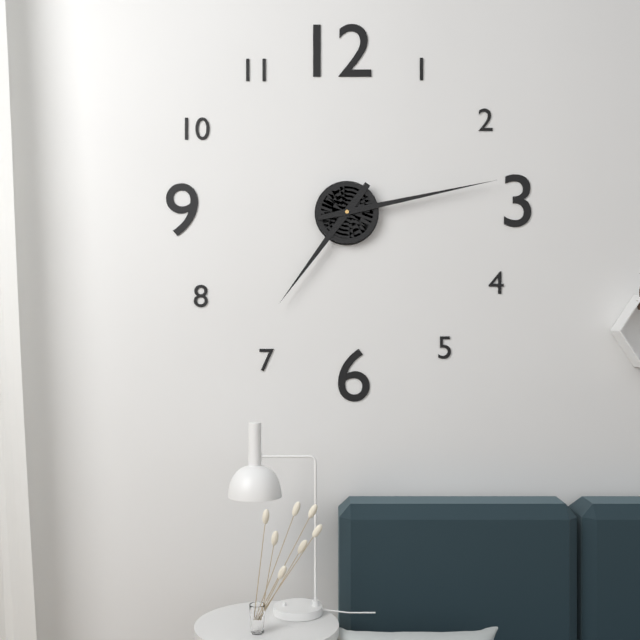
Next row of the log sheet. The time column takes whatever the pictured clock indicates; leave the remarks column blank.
7:13
